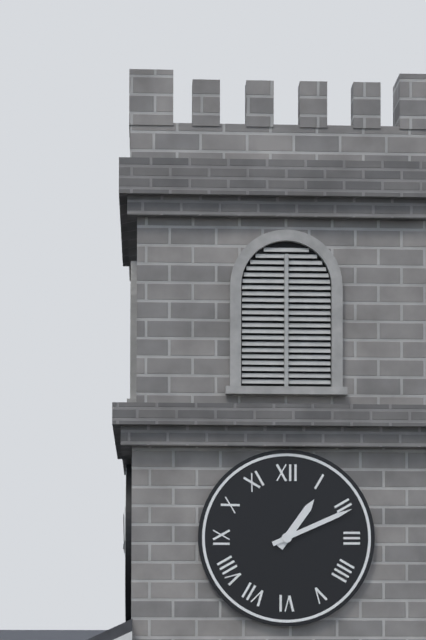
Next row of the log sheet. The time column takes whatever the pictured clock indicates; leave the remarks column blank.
1:11
